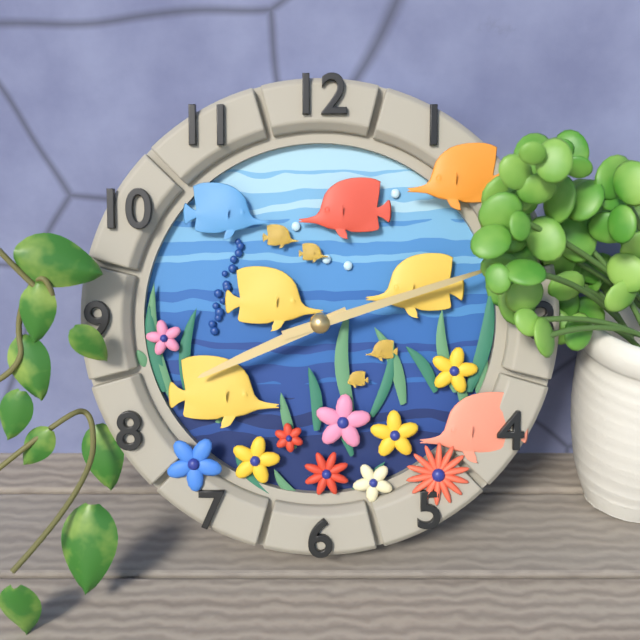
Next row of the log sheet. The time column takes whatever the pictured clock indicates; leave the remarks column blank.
8:12
